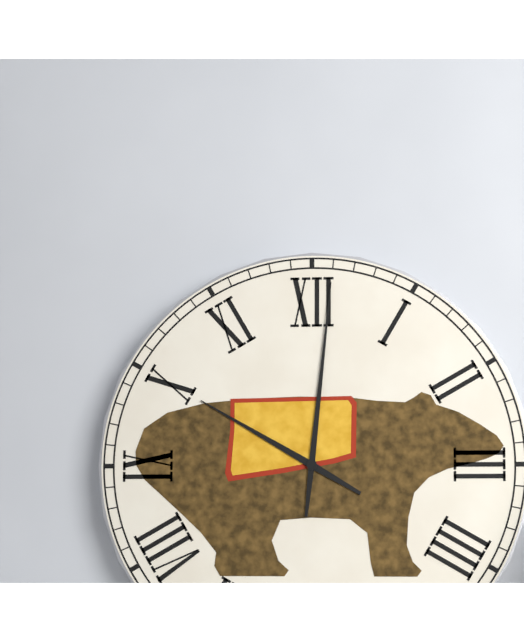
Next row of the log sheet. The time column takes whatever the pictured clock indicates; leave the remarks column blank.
10:01
